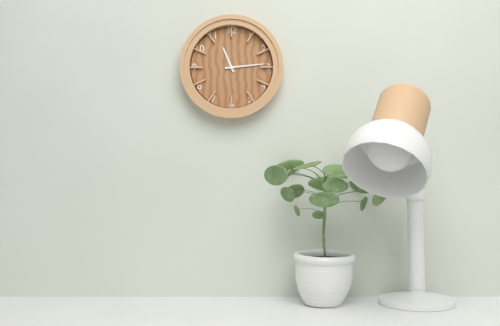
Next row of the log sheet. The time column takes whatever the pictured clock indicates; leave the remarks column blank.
11:14
